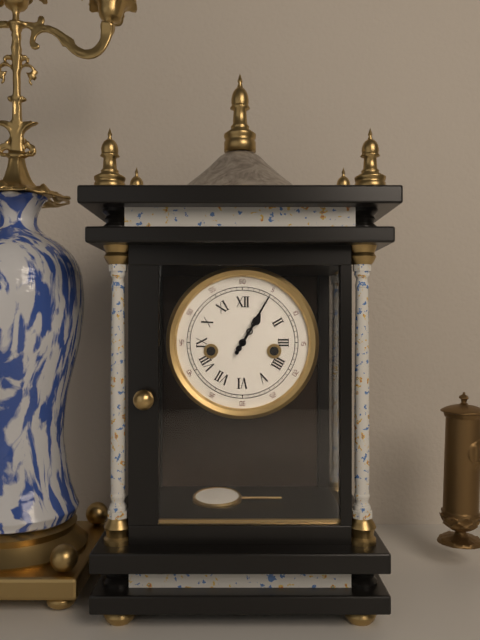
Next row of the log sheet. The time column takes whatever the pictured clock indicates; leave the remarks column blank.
1:05
